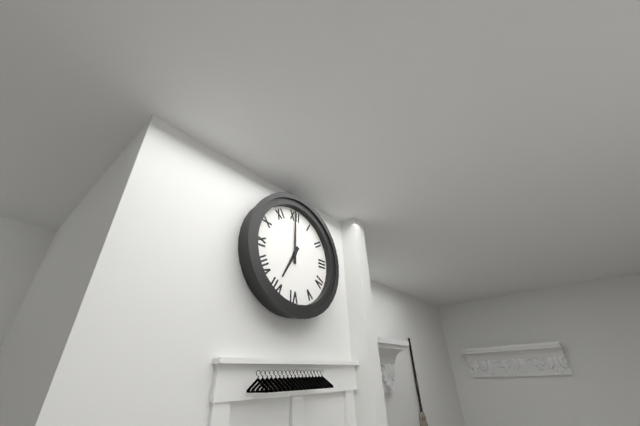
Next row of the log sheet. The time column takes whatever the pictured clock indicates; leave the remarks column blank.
7:00
